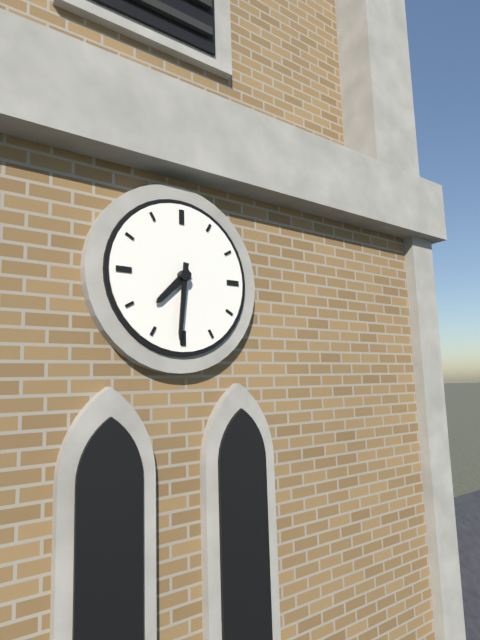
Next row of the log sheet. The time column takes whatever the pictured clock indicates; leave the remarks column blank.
7:31
